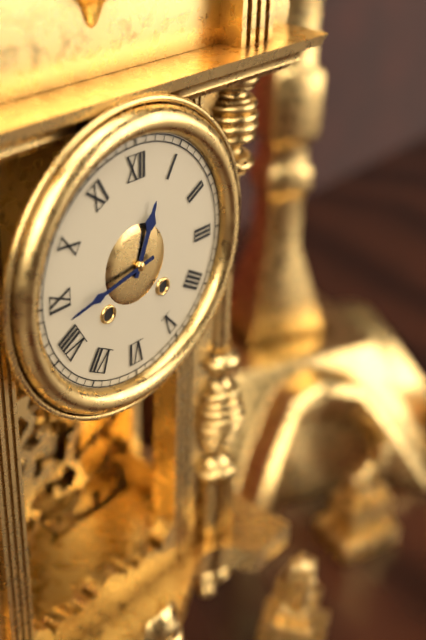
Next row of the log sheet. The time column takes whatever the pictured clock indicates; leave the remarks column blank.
12:43
